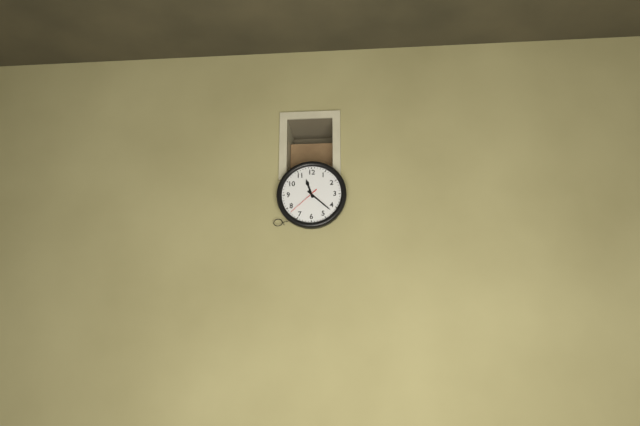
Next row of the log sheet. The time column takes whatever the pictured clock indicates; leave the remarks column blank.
11:22
